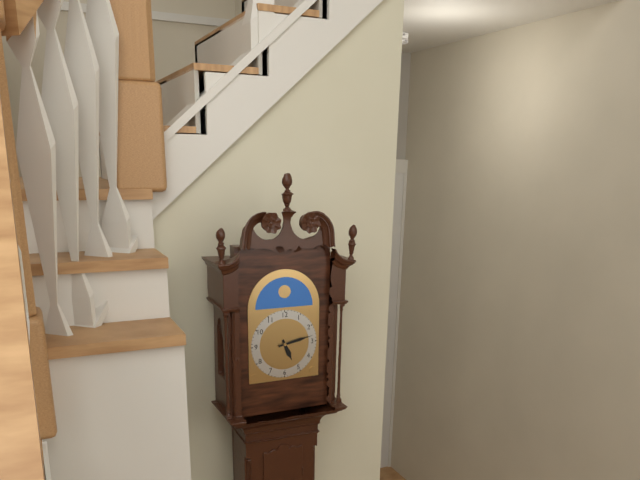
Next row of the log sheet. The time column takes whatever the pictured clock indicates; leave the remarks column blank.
5:13
